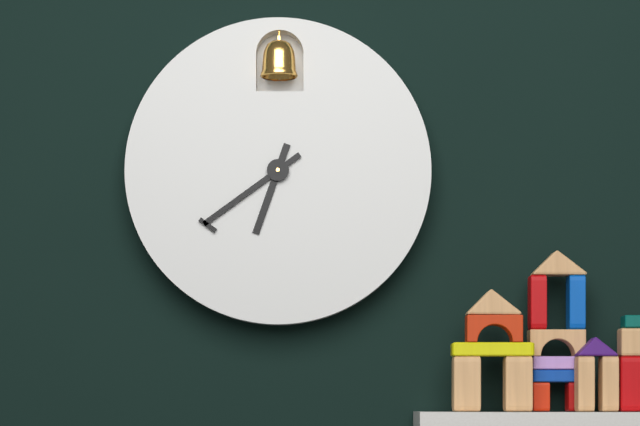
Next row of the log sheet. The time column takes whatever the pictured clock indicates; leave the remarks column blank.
6:39
